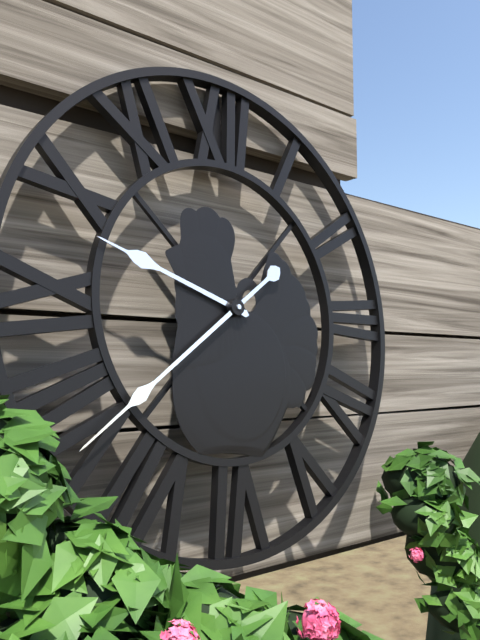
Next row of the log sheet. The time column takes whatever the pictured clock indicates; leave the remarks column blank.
9:39
